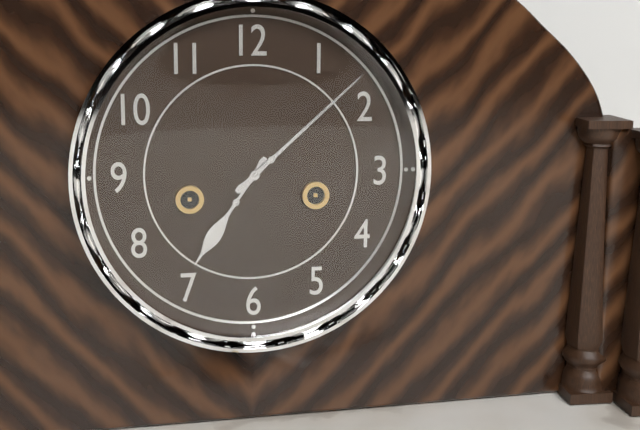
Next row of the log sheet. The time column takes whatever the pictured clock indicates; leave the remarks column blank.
7:08
